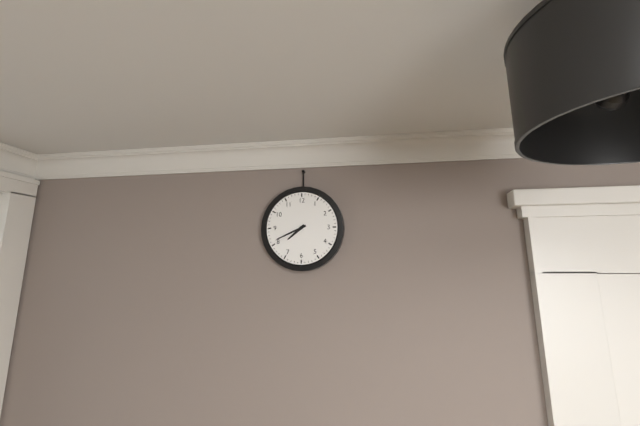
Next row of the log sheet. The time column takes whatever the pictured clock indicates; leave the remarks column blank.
7:41
